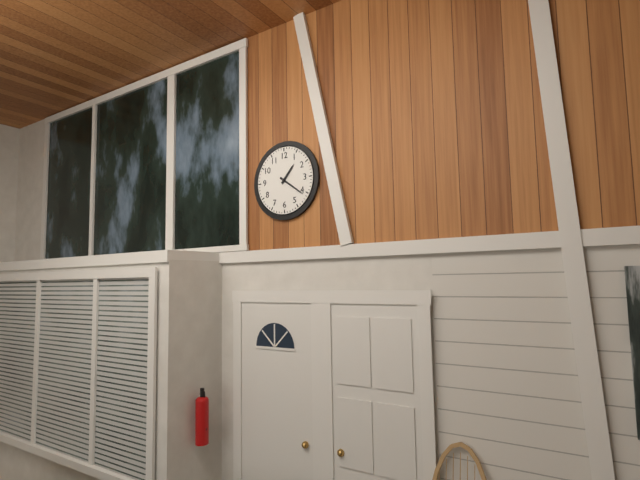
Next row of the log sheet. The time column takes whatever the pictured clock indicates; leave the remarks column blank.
1:21
